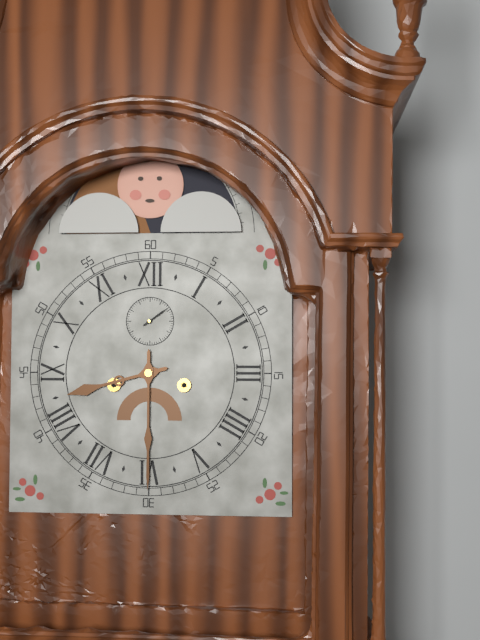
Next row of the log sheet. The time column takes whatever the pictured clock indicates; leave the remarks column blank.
8:30
